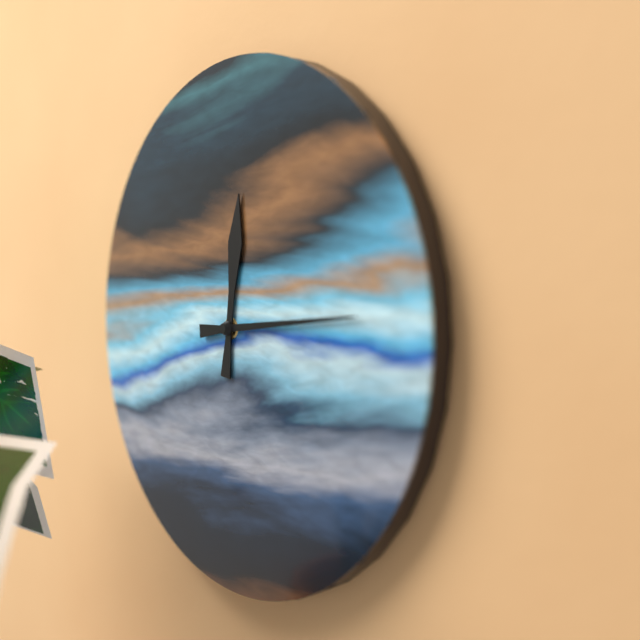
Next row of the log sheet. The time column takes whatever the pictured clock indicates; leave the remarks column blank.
12:14
